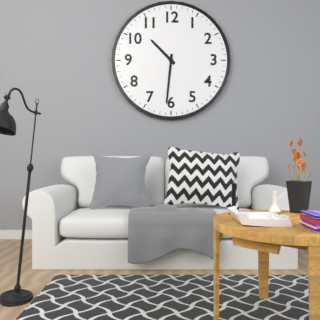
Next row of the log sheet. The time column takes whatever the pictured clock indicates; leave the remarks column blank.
10:31
